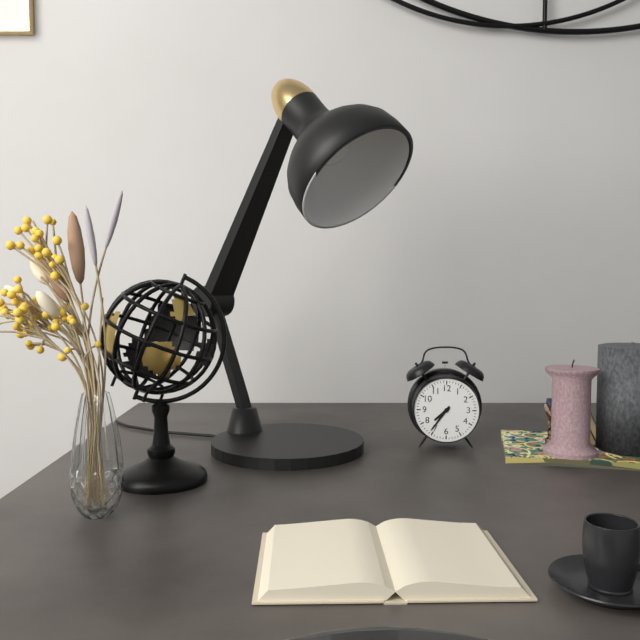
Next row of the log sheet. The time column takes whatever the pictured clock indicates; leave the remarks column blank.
7:36
